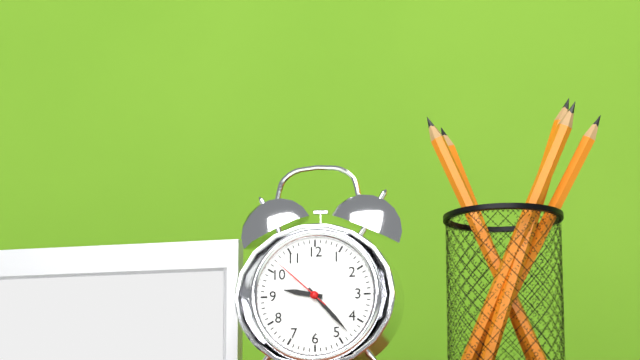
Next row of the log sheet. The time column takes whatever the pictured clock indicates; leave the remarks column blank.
9:23:52
